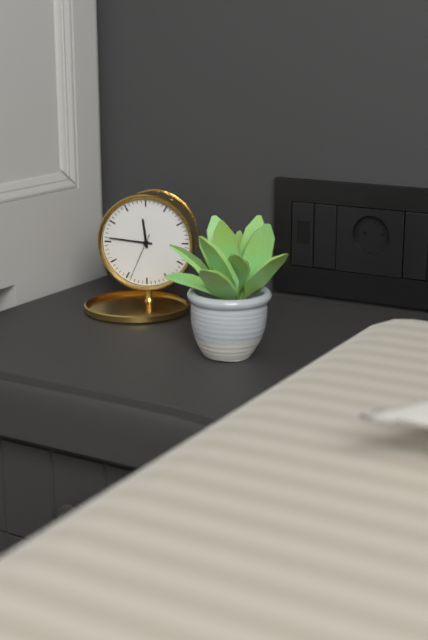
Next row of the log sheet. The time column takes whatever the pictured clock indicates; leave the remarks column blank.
11:46
